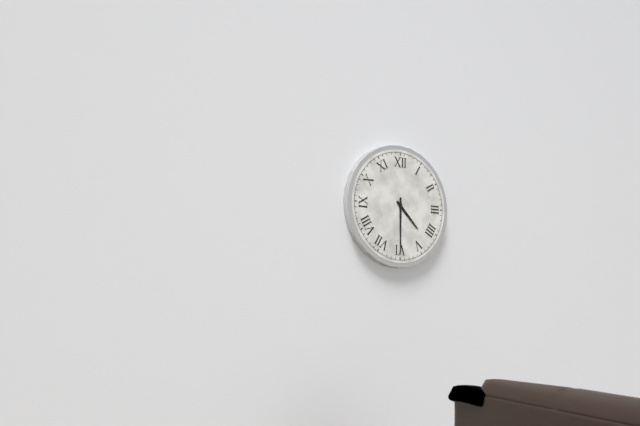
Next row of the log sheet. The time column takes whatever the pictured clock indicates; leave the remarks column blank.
4:30
